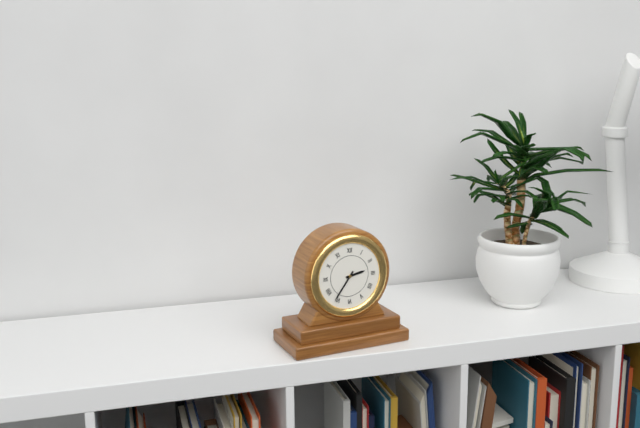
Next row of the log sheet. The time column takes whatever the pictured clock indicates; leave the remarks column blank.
2:36
